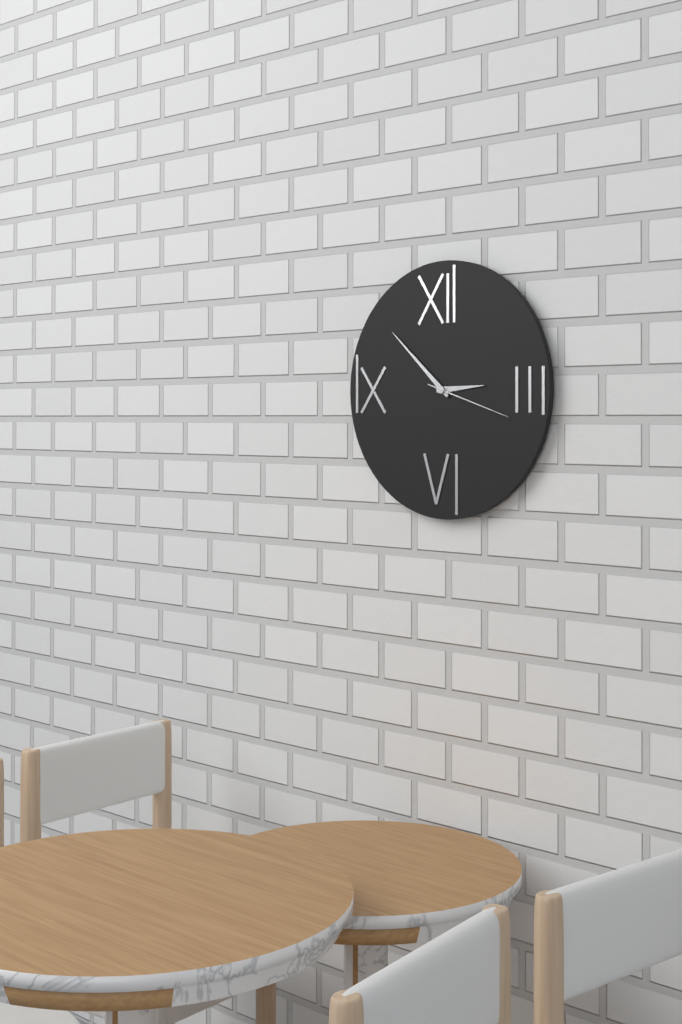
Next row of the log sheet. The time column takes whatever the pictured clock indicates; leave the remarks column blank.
2:52:18
